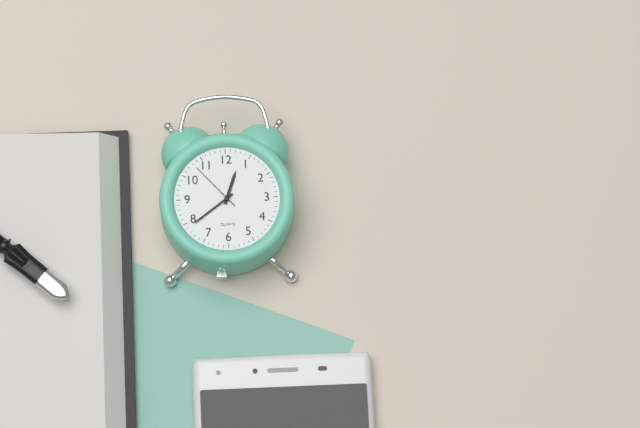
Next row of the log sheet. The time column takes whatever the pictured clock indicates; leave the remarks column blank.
12:39:53
